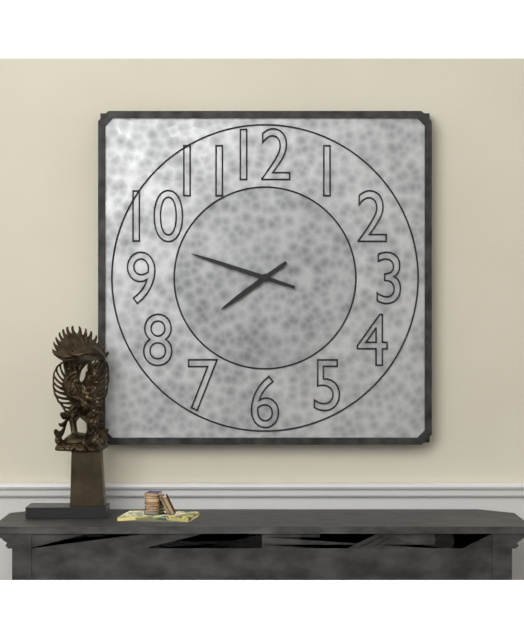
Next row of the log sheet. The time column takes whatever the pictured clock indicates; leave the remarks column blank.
7:48
